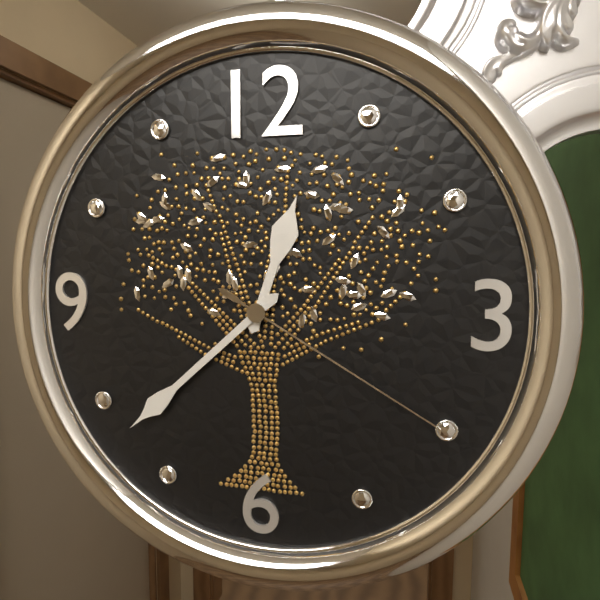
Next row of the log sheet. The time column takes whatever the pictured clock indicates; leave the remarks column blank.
12:38:20
